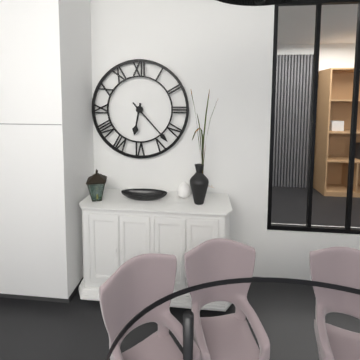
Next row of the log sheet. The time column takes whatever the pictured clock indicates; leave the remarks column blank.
6:23
